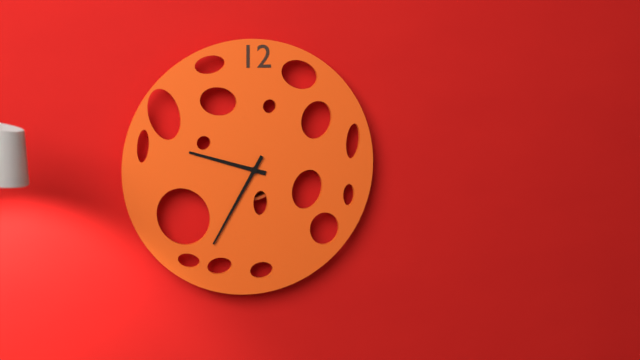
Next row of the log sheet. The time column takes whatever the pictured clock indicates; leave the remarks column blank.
9:35
